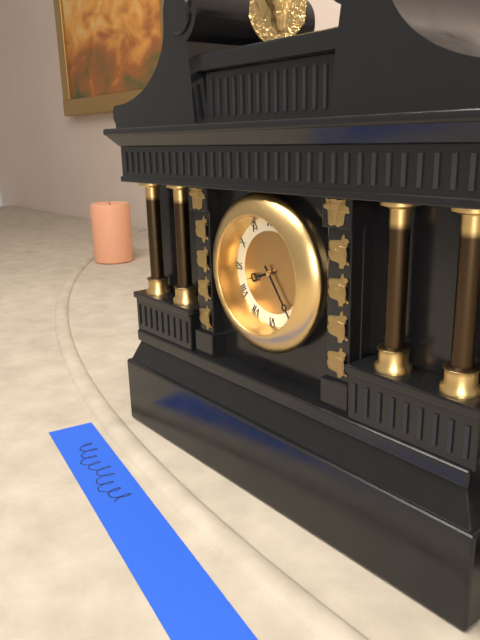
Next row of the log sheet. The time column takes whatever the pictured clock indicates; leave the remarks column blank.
8:24
